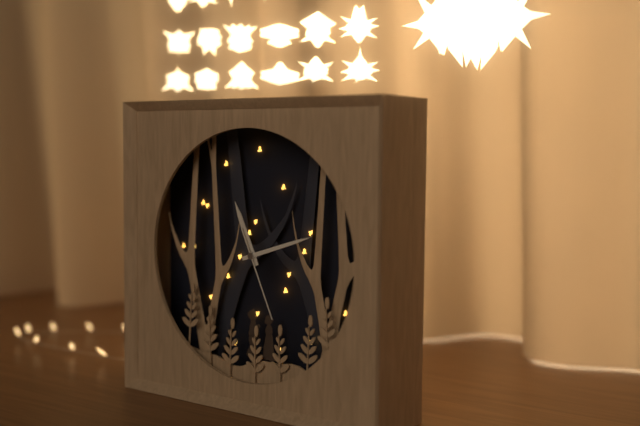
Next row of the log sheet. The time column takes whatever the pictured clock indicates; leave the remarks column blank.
11:12:26
